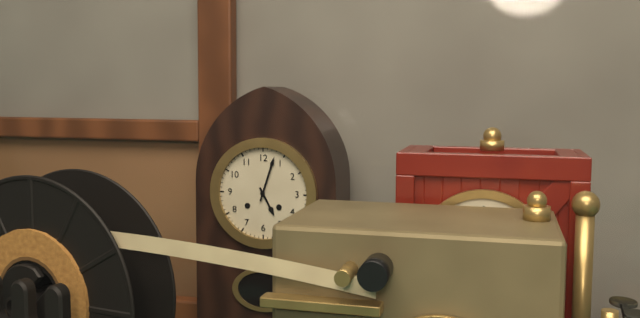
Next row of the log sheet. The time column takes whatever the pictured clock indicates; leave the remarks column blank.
5:03
